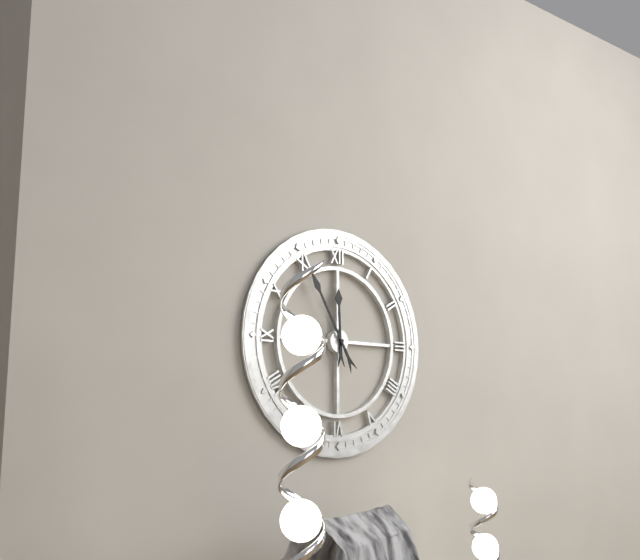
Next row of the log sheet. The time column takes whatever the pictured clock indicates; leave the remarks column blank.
11:55
